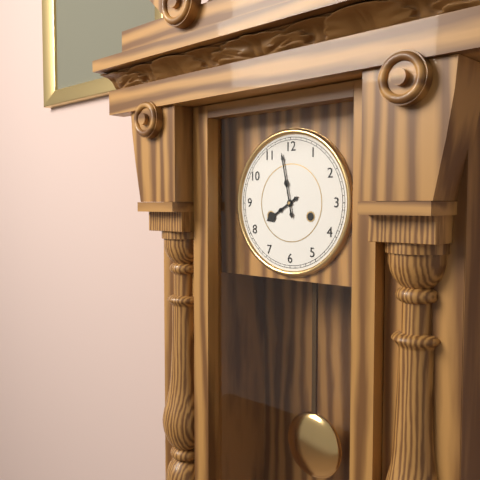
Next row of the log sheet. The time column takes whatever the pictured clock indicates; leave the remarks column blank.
7:58
